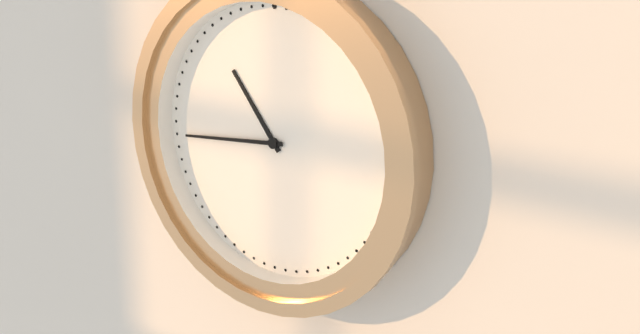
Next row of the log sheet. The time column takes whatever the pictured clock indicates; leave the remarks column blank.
10:44
